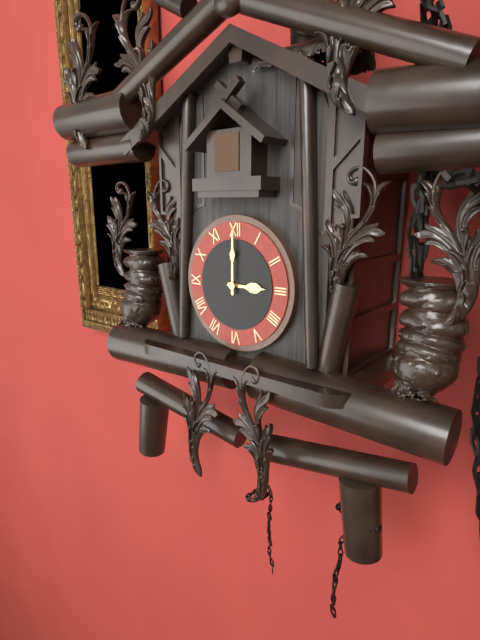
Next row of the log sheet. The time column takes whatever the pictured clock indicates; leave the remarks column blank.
3:00
